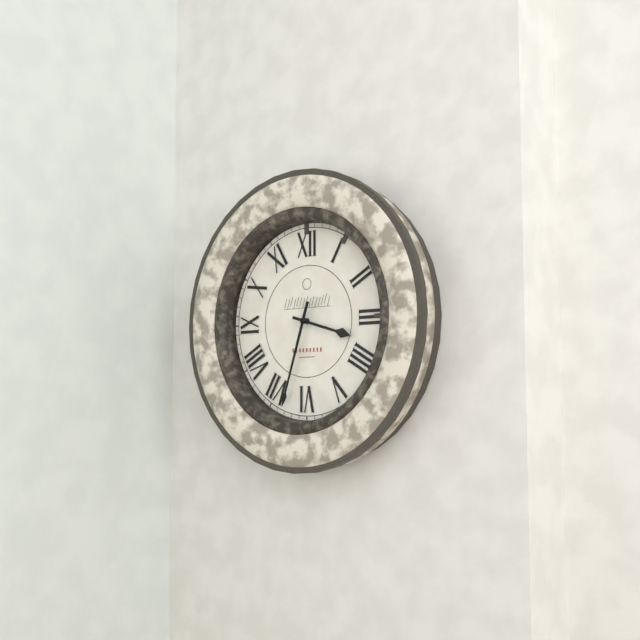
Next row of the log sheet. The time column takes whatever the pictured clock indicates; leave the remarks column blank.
3:33
